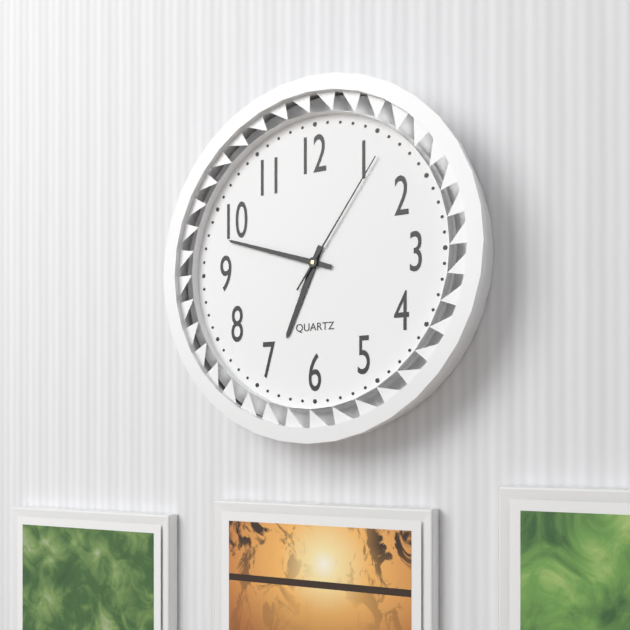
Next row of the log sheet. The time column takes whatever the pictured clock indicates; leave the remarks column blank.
6:48:06
